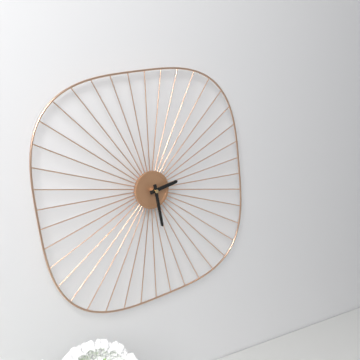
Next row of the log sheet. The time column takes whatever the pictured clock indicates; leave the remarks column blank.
2:28
